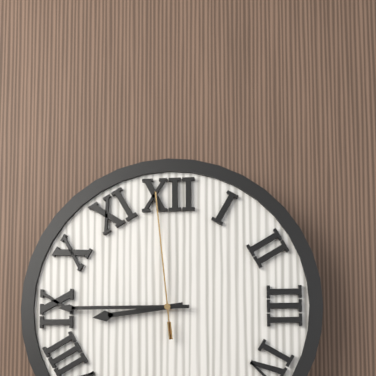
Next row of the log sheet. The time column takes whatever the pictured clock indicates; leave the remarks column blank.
8:45:59
